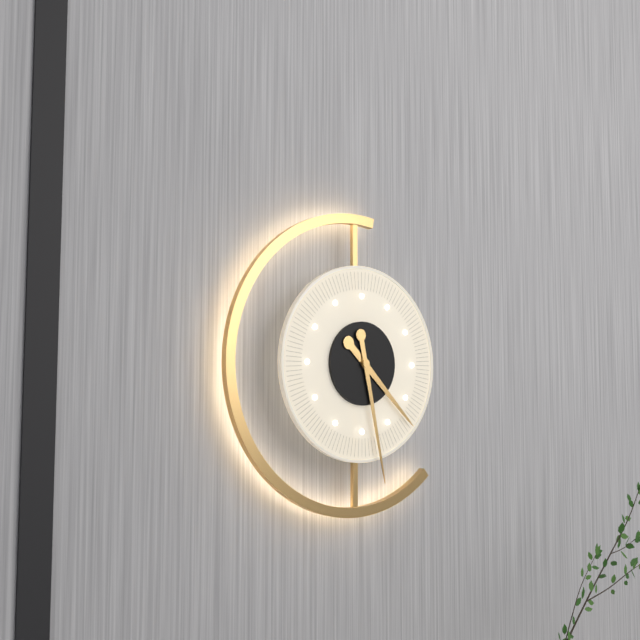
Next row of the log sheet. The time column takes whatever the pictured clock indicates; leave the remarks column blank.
4:28
